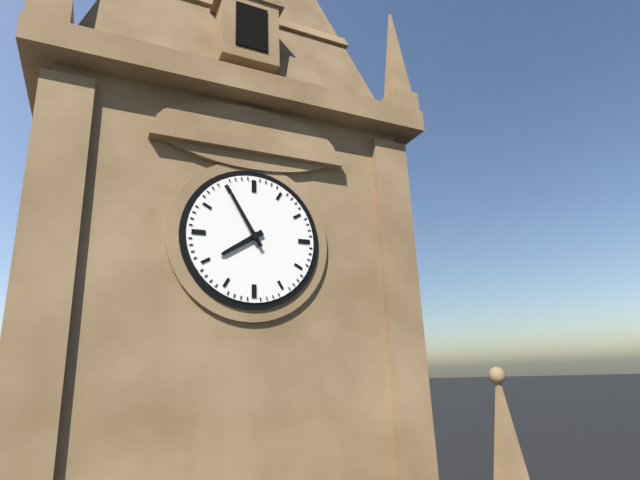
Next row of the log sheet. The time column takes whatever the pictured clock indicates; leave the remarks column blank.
7:55
